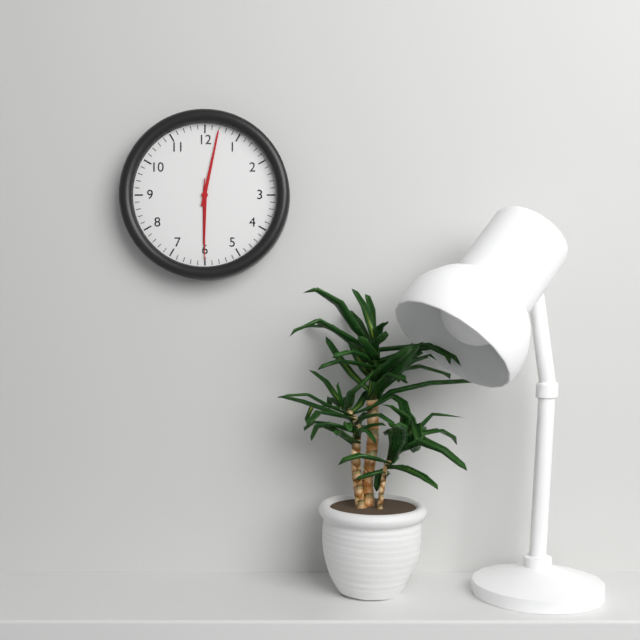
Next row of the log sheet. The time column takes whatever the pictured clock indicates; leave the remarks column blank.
6:02:30
